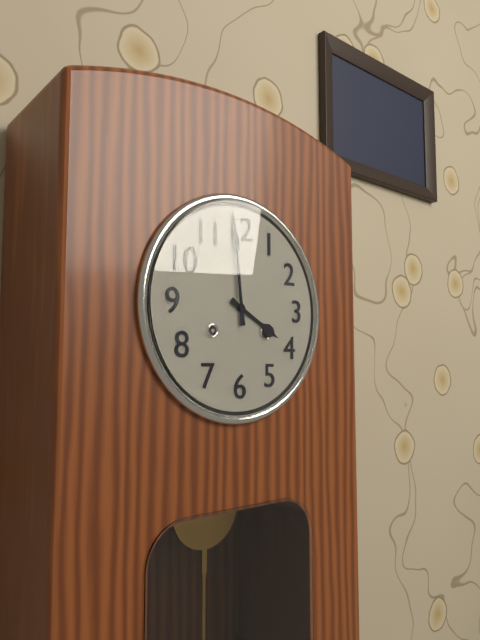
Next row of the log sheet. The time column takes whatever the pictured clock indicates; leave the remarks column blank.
3:59
